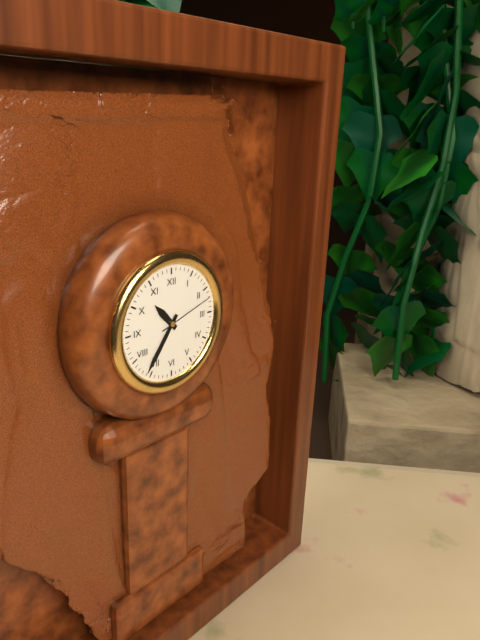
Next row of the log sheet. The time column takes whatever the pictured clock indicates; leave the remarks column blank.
10:36:12
